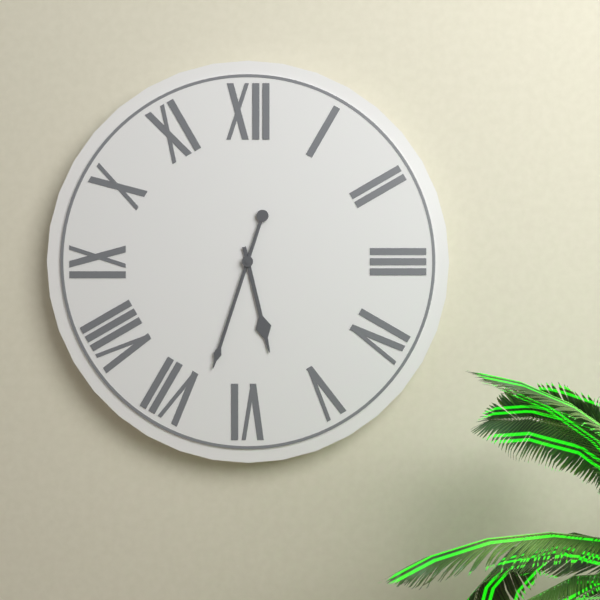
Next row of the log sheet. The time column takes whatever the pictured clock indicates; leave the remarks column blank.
5:33
